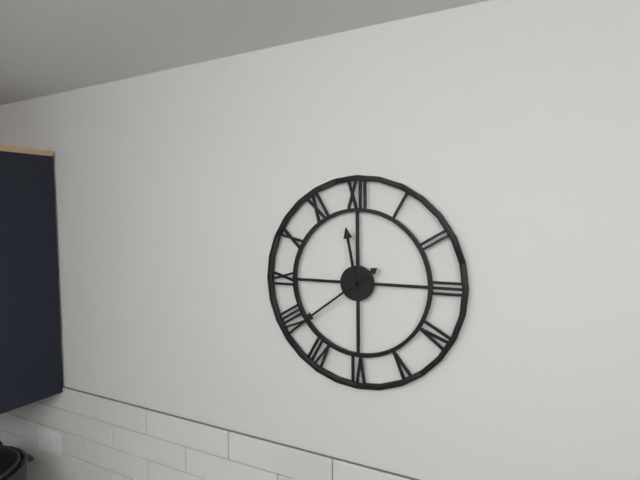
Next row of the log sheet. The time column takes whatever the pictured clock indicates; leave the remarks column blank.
11:39
